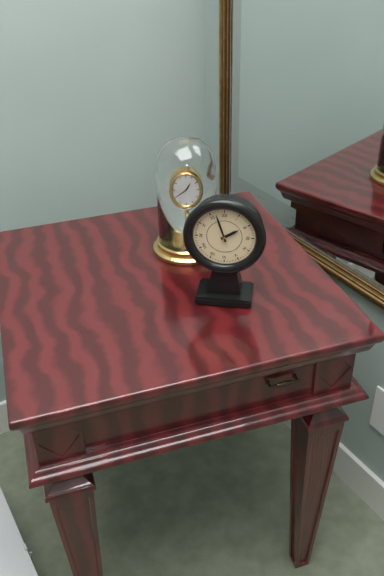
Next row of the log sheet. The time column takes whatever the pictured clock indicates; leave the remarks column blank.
1:57
